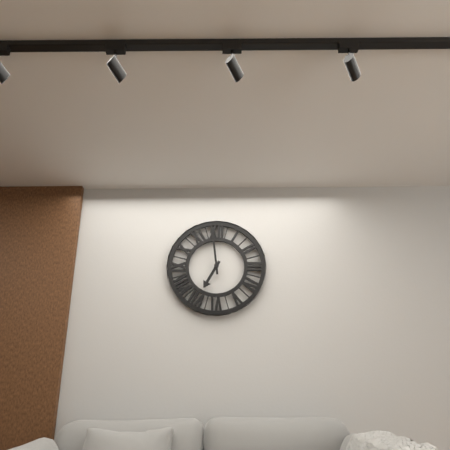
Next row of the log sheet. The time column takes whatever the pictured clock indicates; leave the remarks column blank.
6:59
